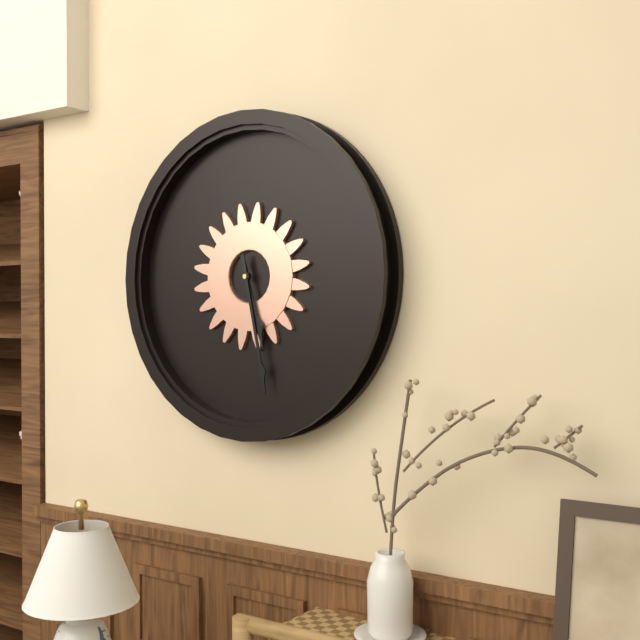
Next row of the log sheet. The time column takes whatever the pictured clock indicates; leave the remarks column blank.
5:28
